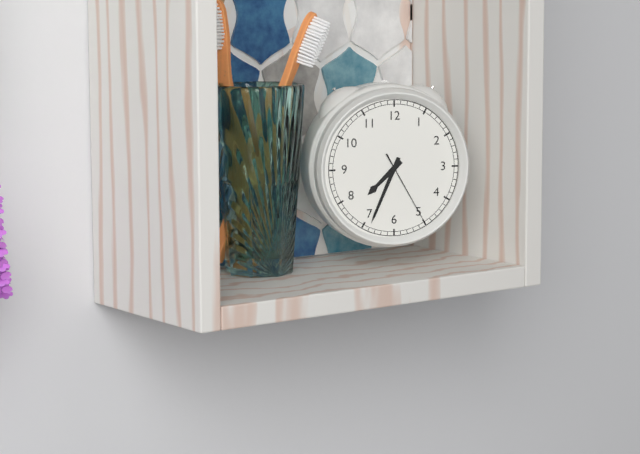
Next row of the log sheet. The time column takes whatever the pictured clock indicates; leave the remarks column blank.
7:34:25
